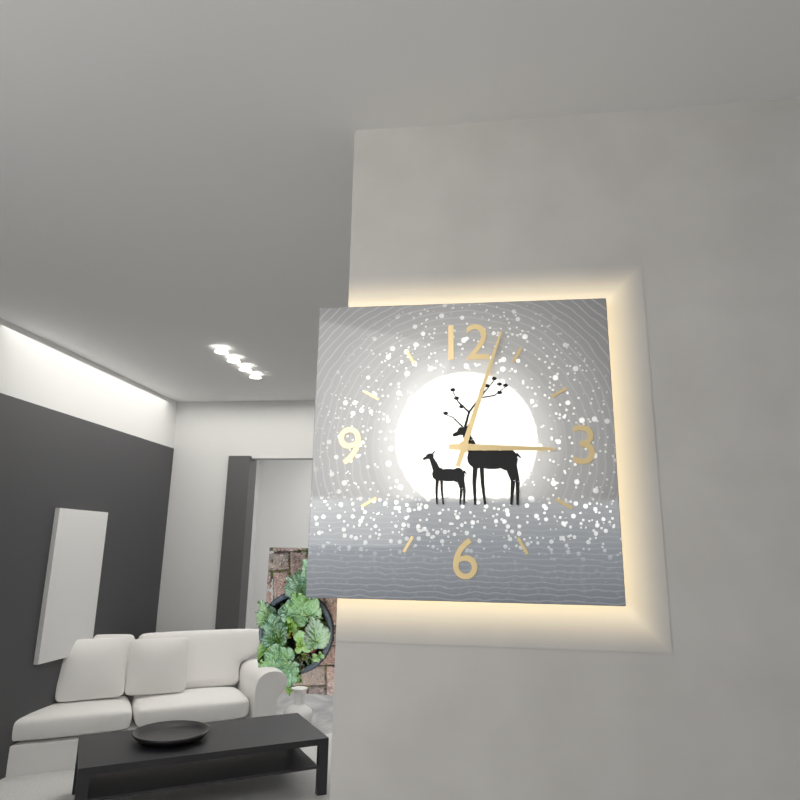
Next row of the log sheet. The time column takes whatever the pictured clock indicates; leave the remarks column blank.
3:03
